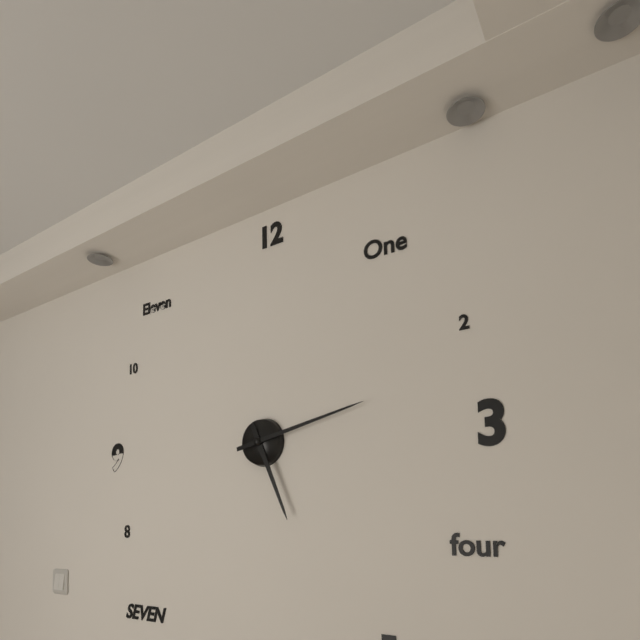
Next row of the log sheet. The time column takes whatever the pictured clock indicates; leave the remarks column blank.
5:13
